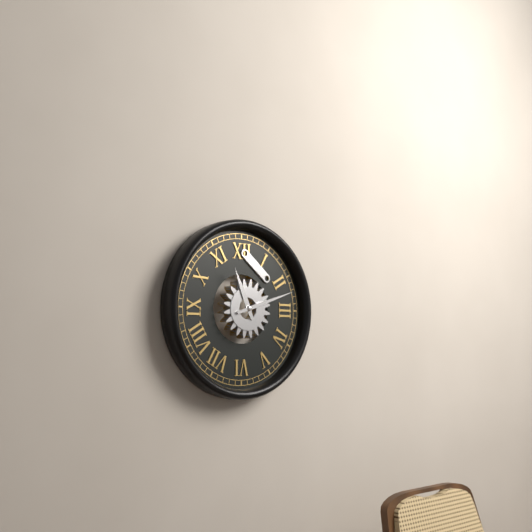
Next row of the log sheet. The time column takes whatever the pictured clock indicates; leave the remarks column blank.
11:12
